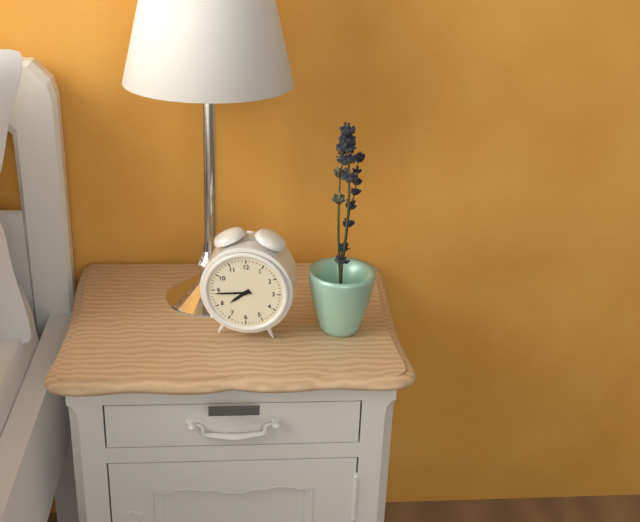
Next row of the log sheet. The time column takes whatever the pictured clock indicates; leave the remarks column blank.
7:44
